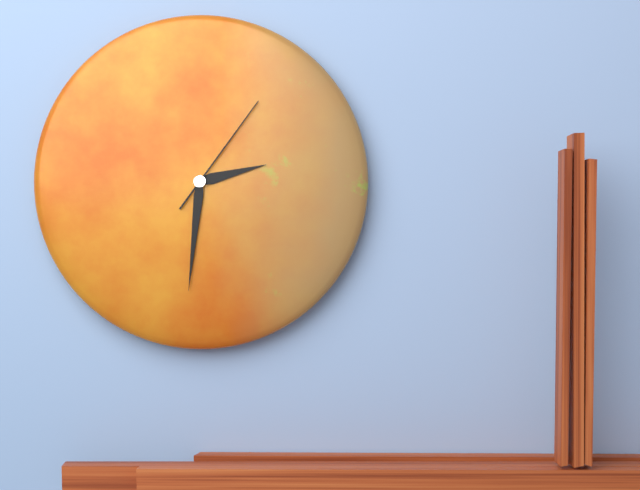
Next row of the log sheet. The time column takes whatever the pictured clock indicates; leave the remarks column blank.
2:31:06
